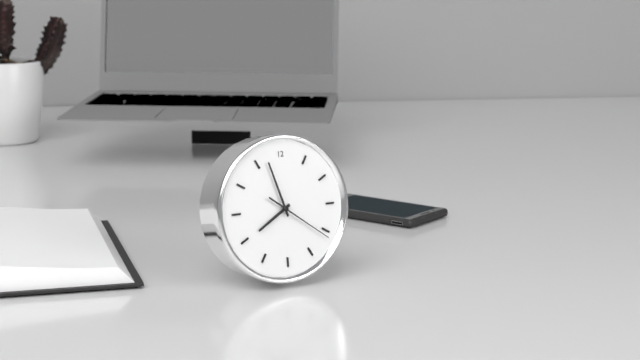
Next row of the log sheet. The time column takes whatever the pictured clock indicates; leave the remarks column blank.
7:57:21
